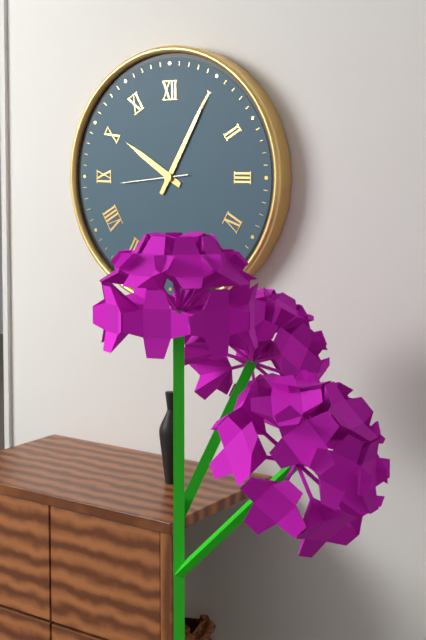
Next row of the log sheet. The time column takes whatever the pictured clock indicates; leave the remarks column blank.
10:05:44
